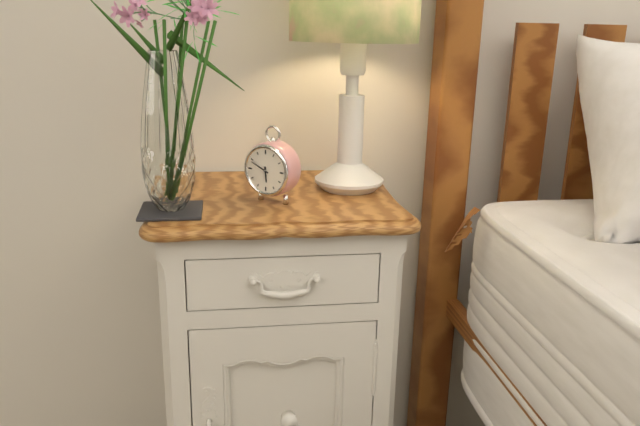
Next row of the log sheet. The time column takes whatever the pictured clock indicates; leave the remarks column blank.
5:49
